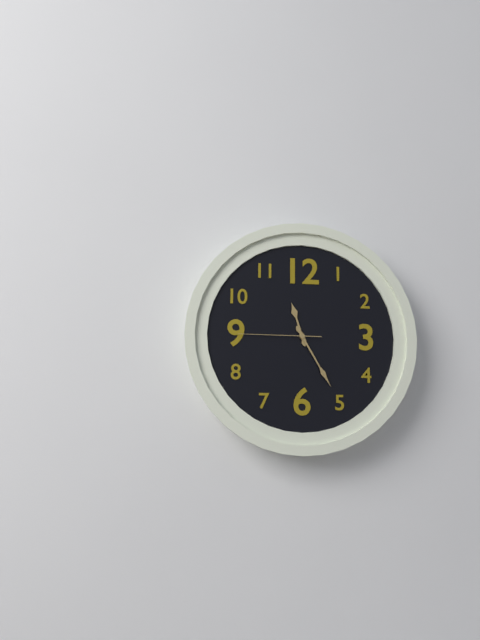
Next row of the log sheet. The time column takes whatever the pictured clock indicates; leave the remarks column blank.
11:25:45
